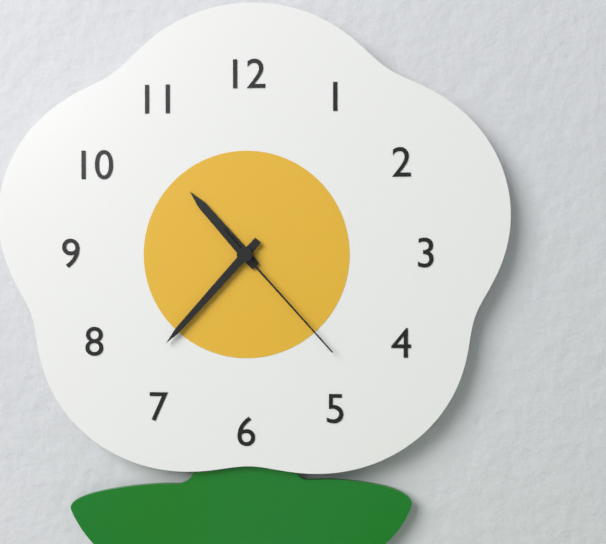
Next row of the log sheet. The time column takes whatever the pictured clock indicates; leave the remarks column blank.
10:37:23
